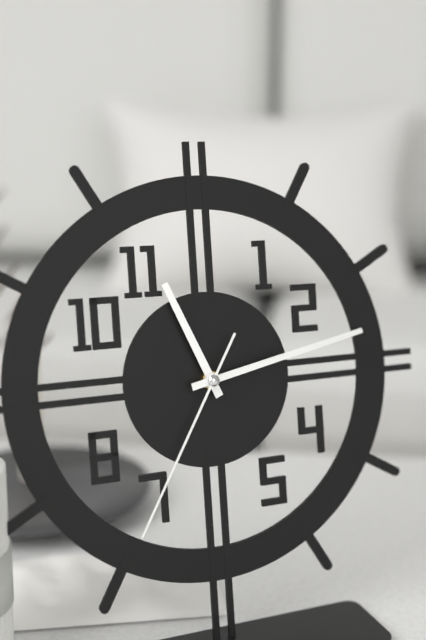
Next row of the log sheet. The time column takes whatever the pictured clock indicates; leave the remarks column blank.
11:13:35
